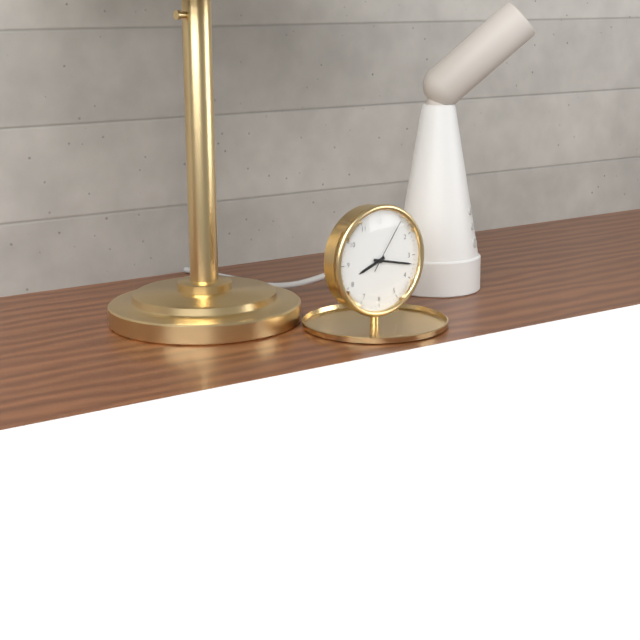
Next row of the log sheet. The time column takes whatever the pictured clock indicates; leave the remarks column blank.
8:17:06
